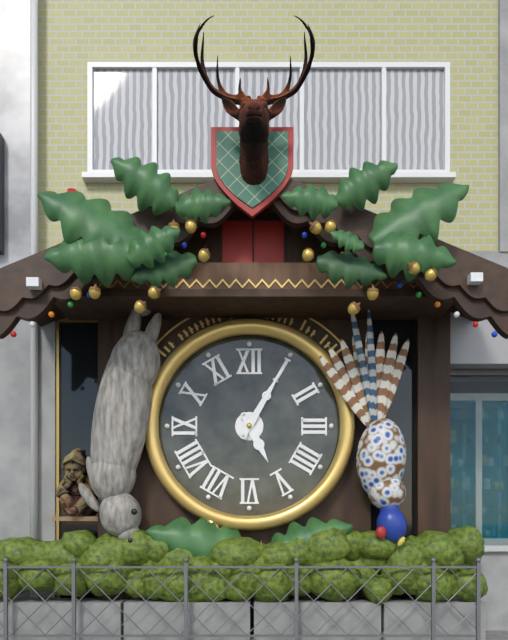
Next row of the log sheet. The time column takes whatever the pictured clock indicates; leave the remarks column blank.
5:05
